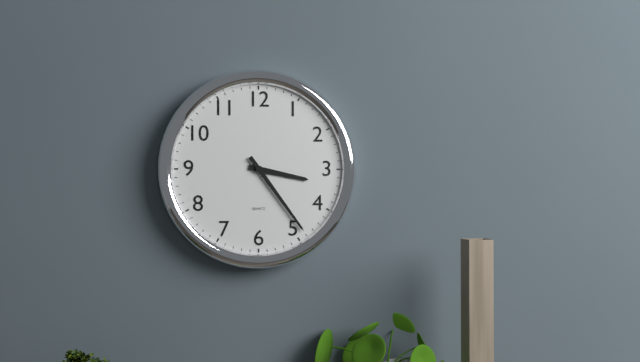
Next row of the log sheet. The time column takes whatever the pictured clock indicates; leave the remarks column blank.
3:24
